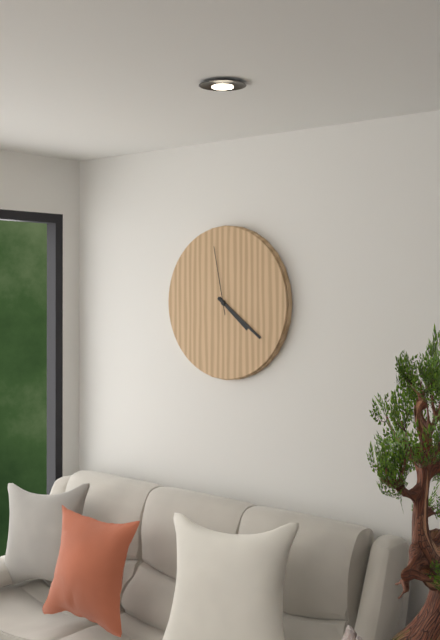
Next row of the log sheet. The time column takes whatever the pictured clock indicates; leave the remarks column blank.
4:21:58
